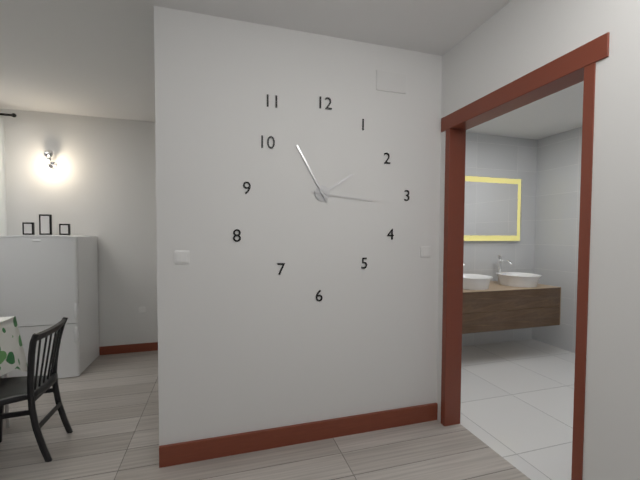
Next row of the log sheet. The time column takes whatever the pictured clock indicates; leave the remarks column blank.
1:55:16
